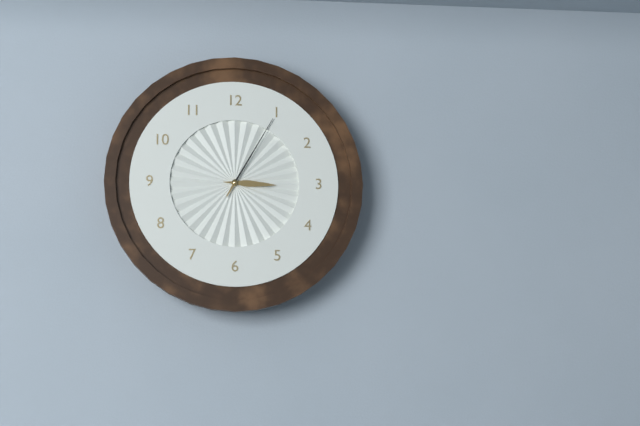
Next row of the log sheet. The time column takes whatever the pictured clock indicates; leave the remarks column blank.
3:05
